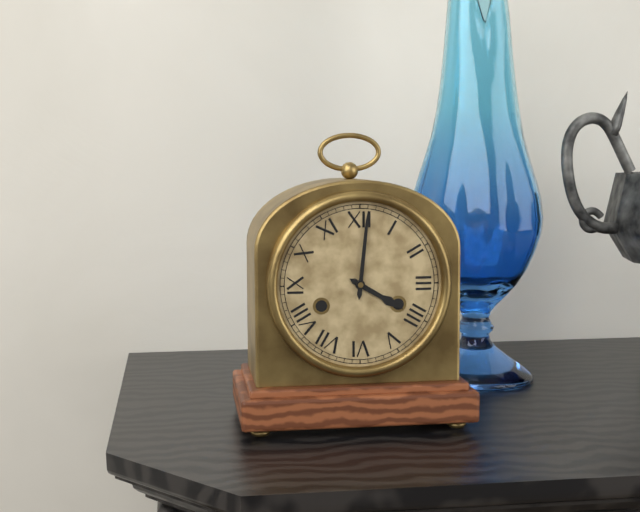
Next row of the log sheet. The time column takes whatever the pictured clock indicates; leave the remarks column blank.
4:01
